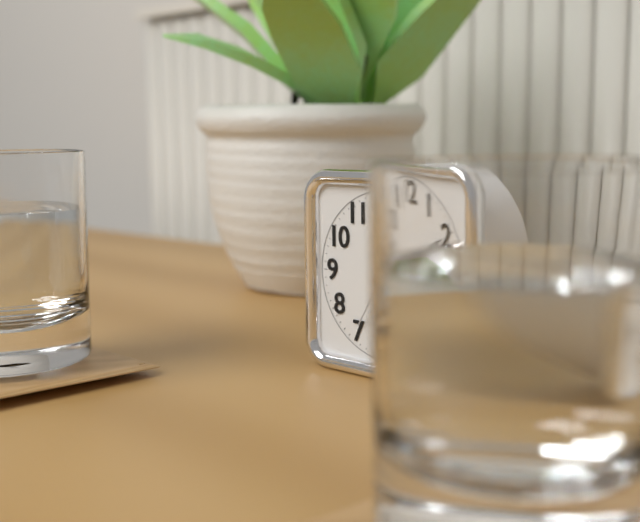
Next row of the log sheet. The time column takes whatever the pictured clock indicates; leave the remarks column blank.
3:10:35
